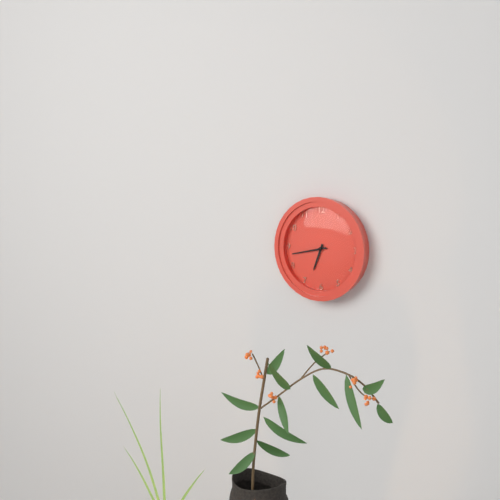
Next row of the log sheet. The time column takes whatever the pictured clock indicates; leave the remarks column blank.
6:43
